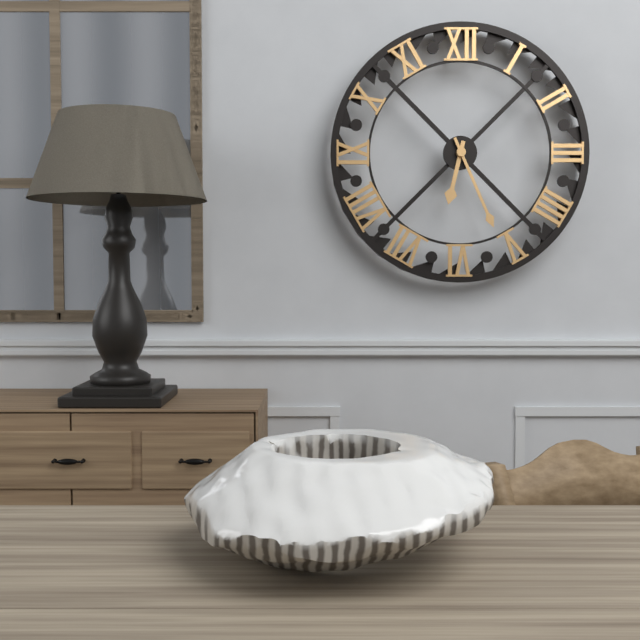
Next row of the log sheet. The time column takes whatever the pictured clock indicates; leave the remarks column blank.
6:26
